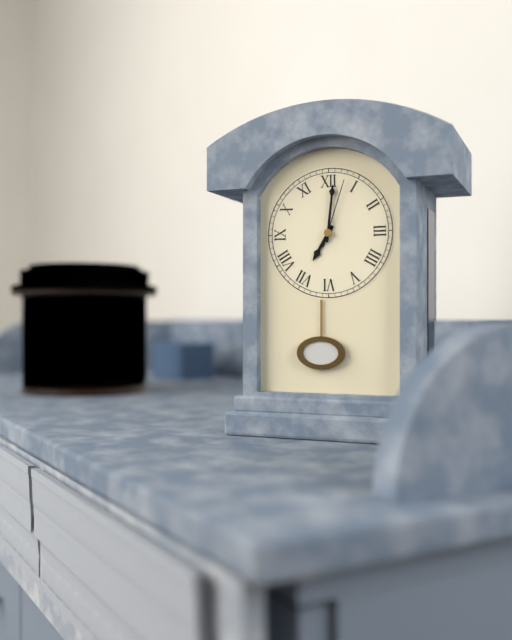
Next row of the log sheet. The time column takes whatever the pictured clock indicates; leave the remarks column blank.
7:01:03
